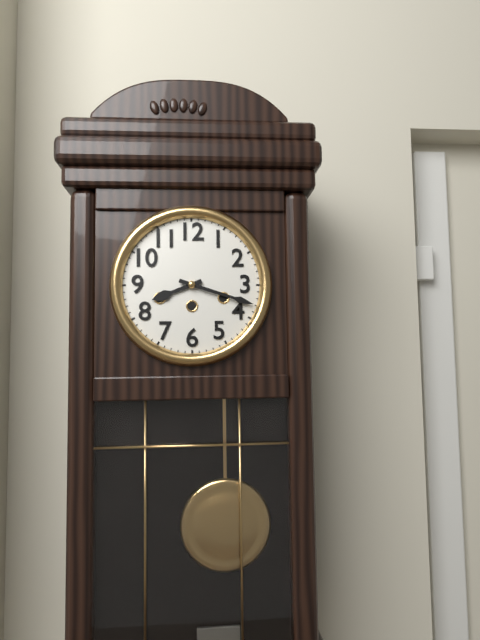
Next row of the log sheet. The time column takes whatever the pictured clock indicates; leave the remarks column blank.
8:18
